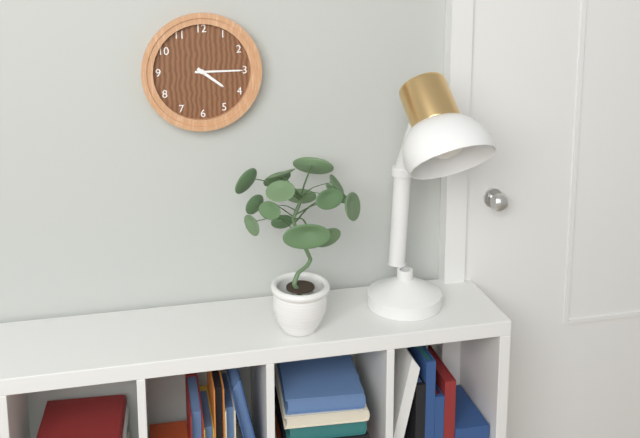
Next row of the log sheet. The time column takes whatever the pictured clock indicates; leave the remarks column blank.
4:15
